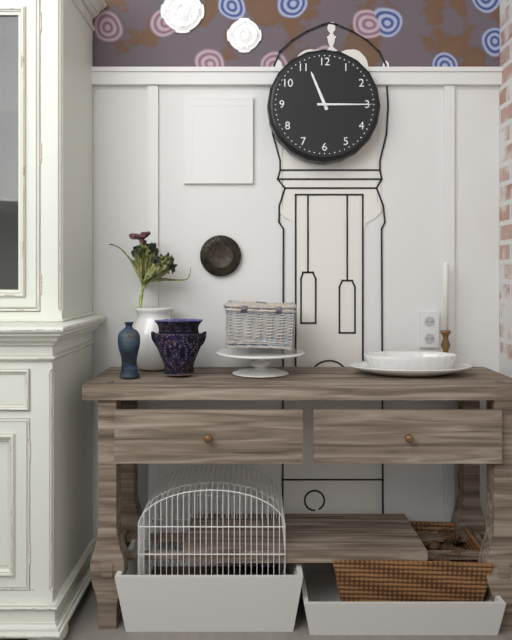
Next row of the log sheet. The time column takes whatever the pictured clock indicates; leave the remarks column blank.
11:15
